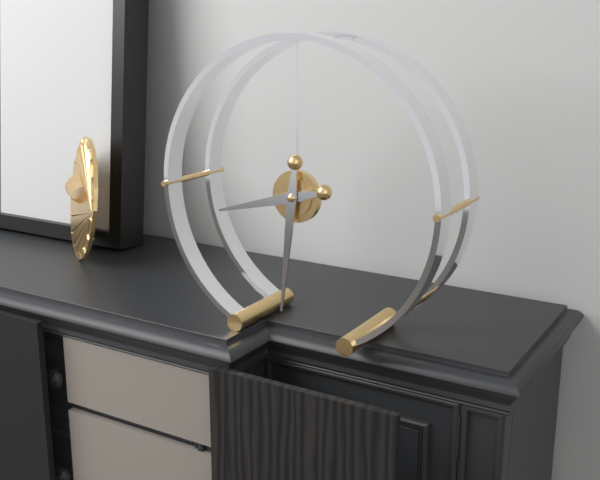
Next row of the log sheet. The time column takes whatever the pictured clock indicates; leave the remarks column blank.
8:31
